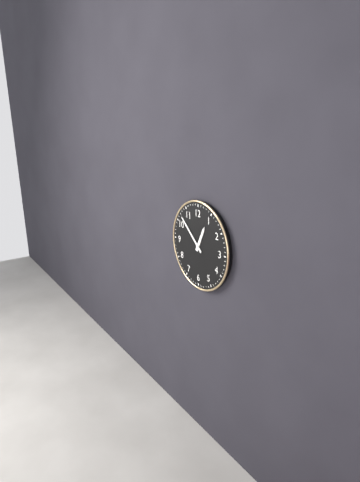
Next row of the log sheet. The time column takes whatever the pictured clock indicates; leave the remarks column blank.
12:52
